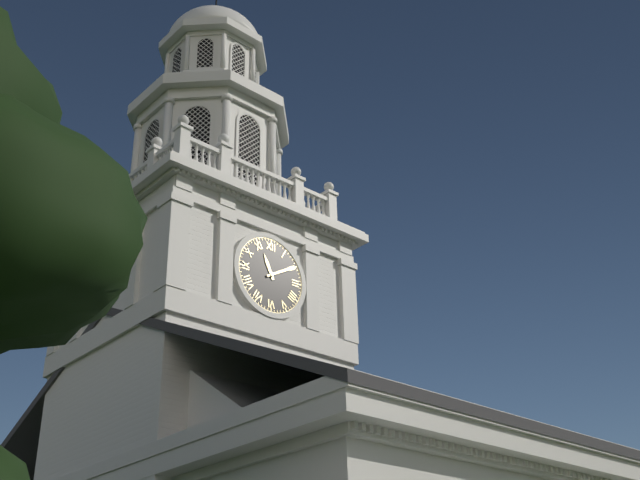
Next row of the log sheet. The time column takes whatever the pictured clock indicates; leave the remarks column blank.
11:10
